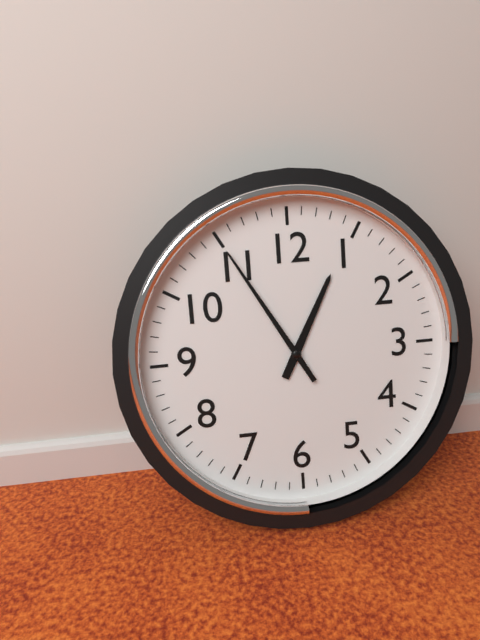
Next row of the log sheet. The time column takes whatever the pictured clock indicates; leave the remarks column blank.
12:55
